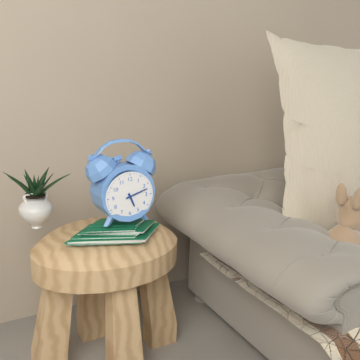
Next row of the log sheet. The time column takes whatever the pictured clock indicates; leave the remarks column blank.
5:12
